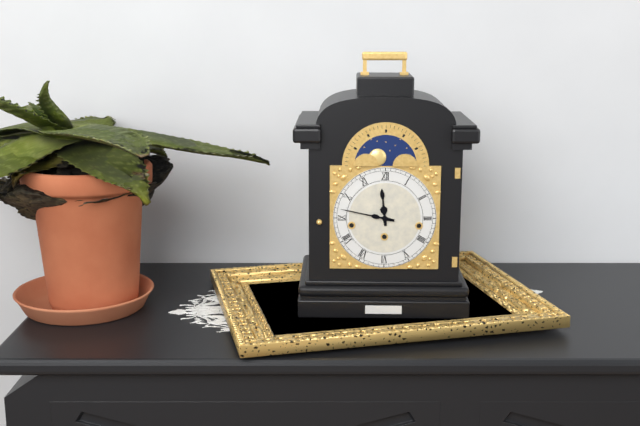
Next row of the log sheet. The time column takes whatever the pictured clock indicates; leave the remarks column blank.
11:47
